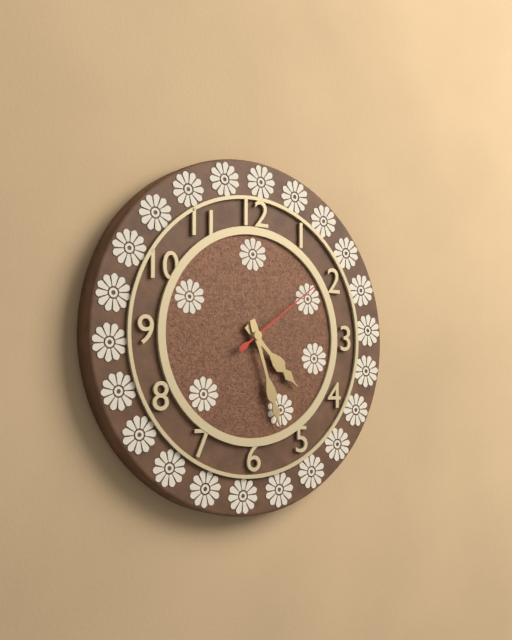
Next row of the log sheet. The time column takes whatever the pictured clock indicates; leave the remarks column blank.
4:27:09
